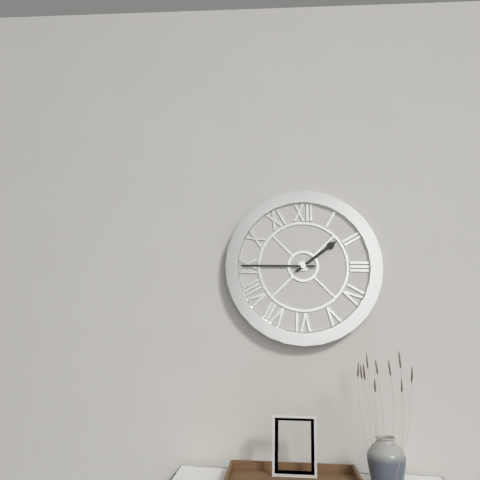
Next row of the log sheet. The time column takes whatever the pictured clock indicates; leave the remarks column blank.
1:45
